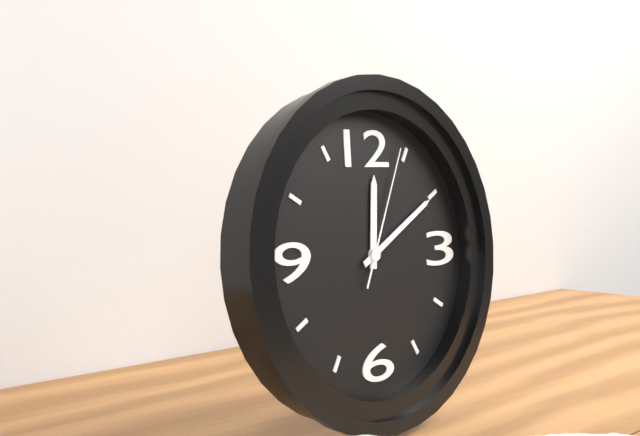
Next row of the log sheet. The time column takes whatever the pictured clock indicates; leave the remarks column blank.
12:10:04
